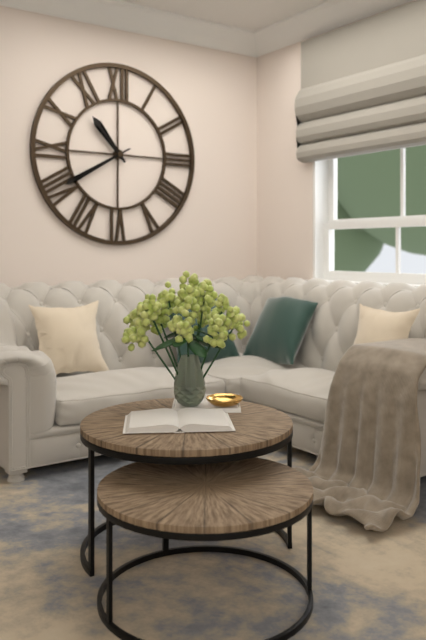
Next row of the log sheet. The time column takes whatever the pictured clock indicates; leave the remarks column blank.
10:40
